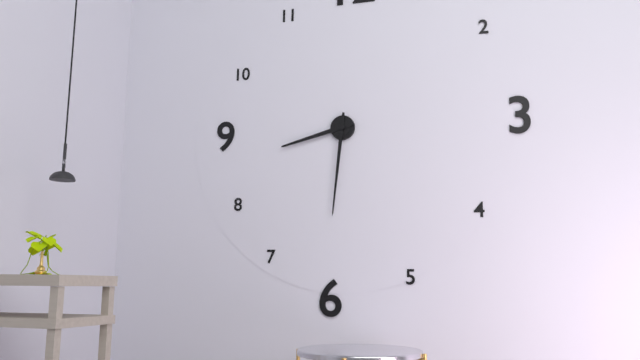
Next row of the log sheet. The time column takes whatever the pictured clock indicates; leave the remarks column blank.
8:31
